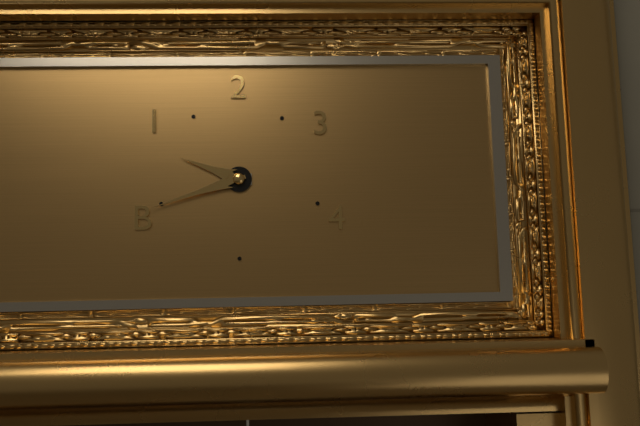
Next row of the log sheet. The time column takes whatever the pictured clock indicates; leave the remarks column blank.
9:42
